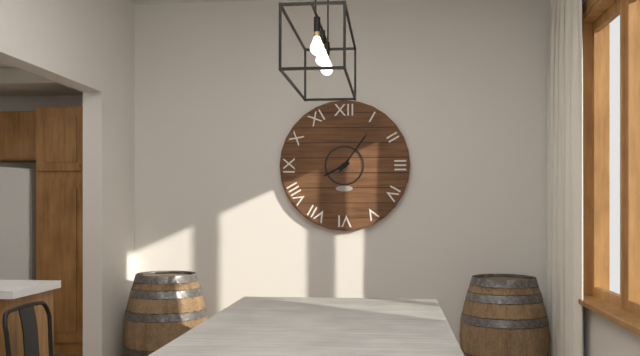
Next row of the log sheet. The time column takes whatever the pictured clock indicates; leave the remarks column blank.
8:06
